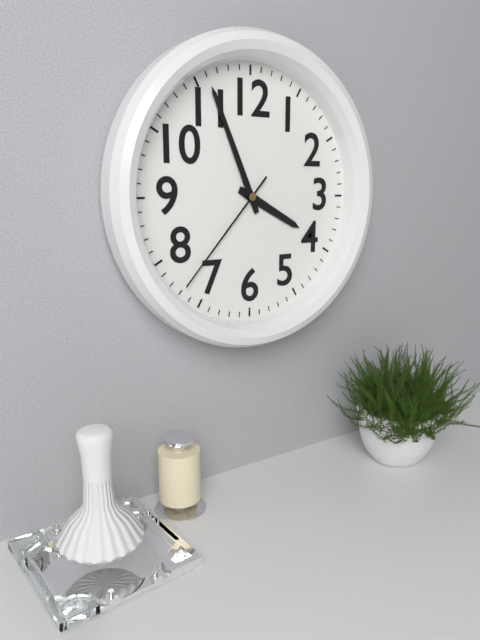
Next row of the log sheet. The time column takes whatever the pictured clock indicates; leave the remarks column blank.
3:56:37
